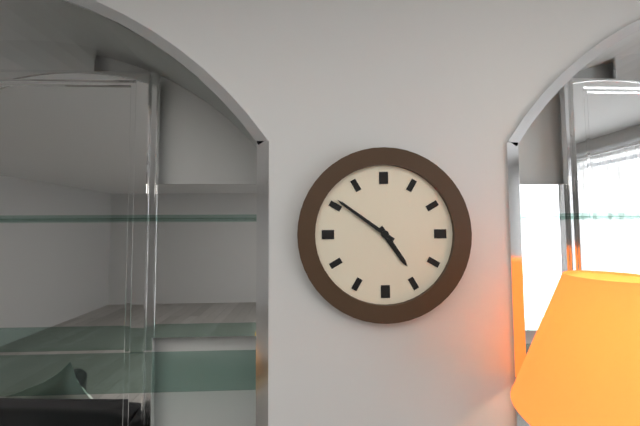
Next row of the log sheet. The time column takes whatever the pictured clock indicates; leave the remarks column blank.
4:51
